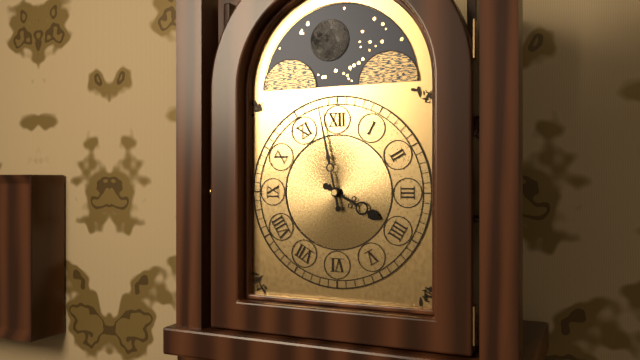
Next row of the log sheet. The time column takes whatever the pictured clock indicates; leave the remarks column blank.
3:58
